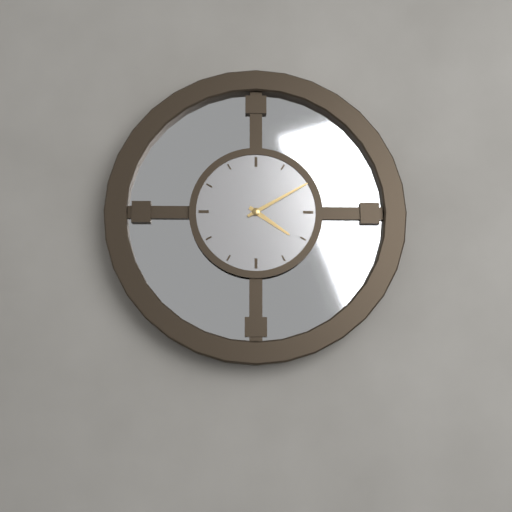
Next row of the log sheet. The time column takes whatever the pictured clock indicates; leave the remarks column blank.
4:10
